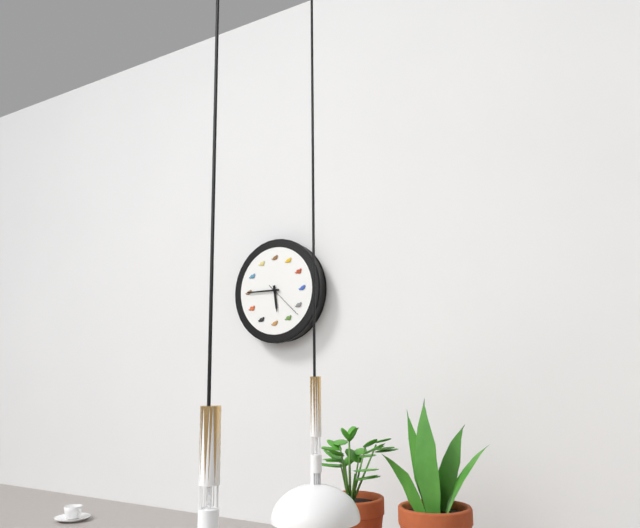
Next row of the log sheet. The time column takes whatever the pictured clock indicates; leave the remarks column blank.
5:45
